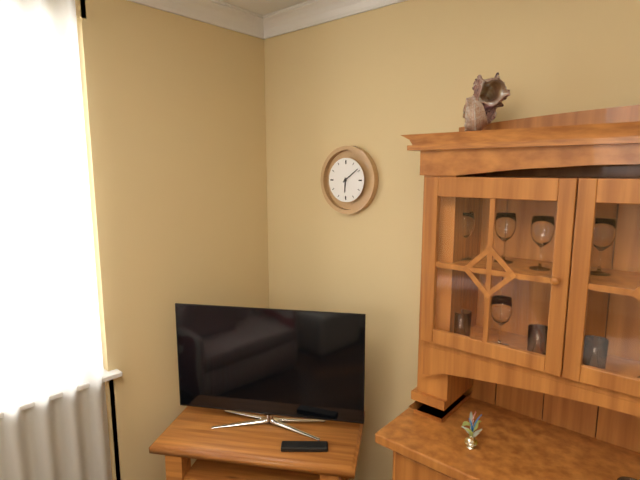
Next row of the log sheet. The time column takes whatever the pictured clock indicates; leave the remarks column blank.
6:09
